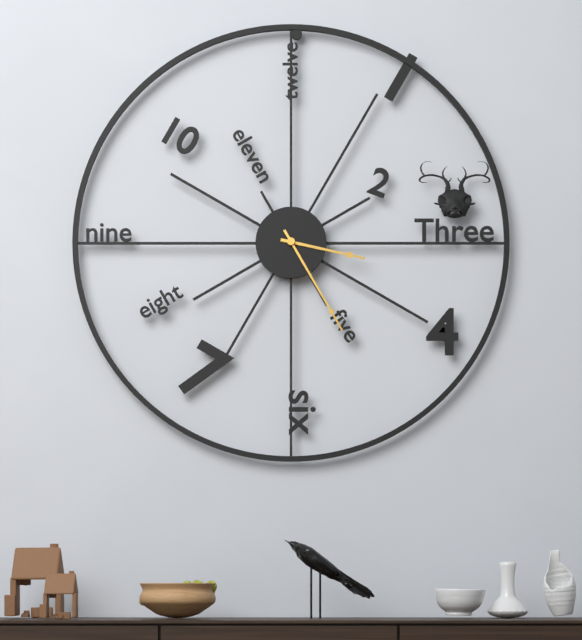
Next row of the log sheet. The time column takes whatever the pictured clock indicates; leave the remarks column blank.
3:25
